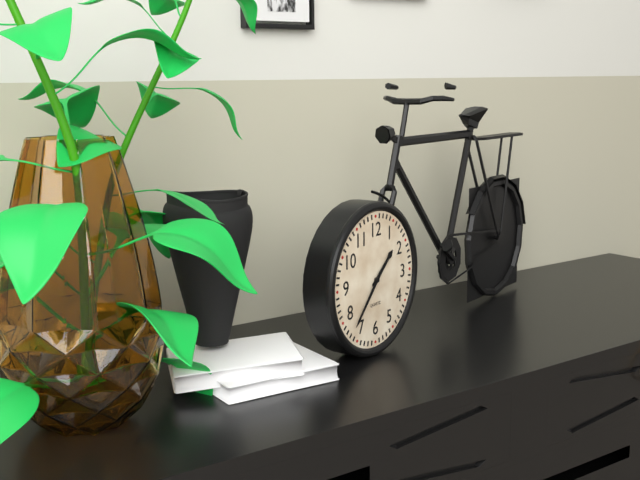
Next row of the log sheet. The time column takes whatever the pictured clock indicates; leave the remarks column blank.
1:37
